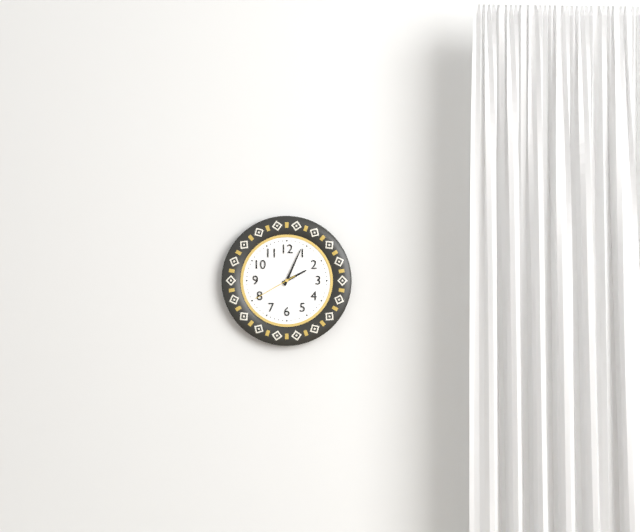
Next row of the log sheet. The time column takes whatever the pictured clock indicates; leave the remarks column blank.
2:04
